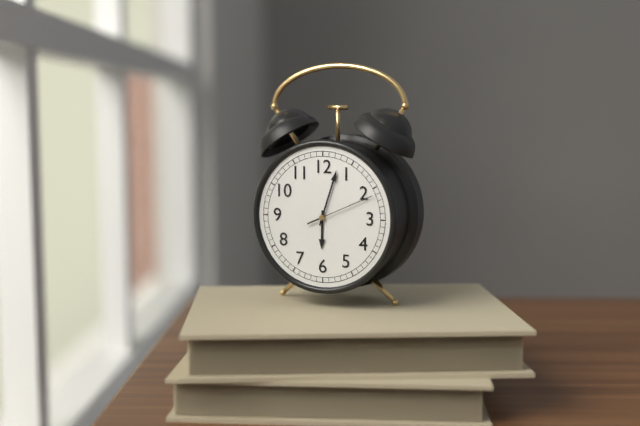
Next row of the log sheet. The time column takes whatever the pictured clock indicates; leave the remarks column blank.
6:03:11
